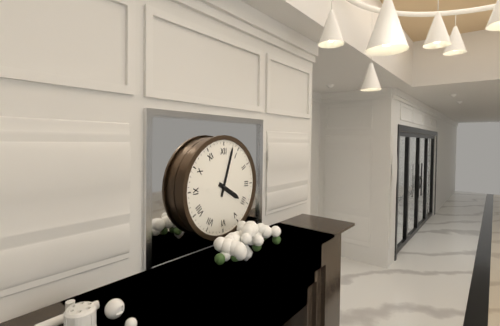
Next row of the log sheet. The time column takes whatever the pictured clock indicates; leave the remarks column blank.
4:03
